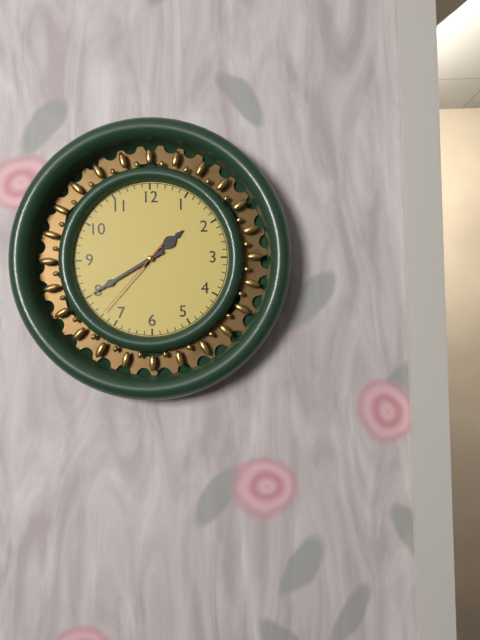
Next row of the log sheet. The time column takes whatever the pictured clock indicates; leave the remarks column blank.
1:40:37
